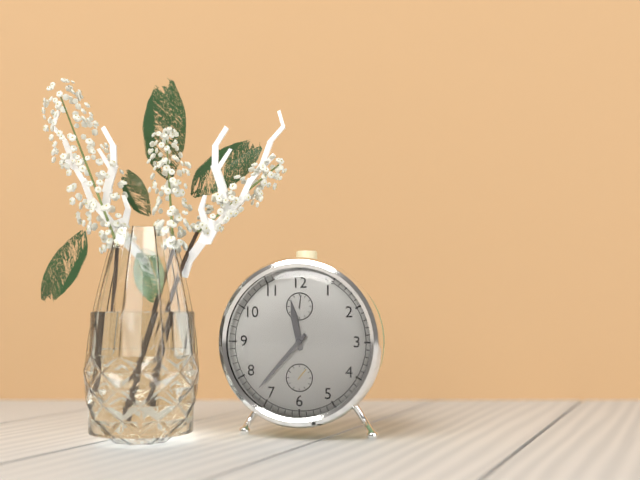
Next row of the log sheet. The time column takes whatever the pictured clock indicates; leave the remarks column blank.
11:37
